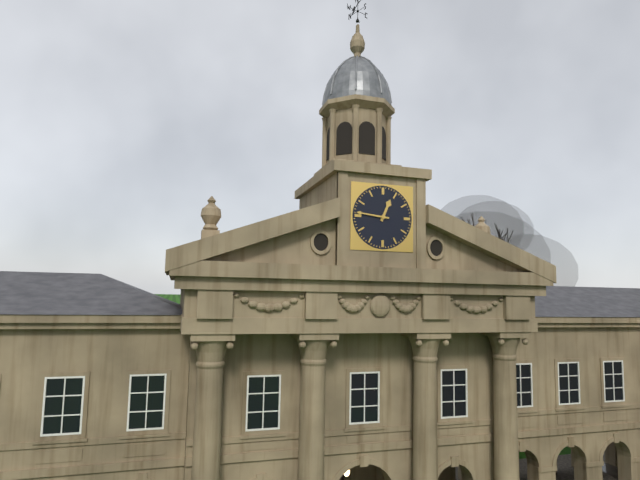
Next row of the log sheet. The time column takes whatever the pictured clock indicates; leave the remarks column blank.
12:46
